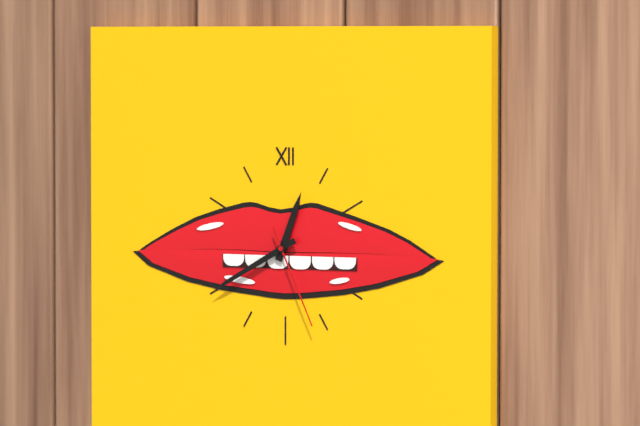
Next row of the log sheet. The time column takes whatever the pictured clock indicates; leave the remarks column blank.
12:40:26
